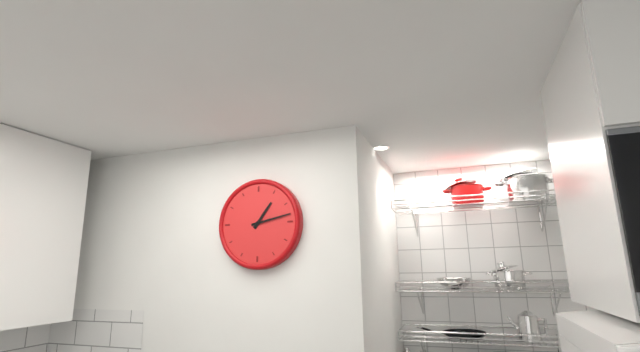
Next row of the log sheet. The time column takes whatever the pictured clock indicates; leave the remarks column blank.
1:13
